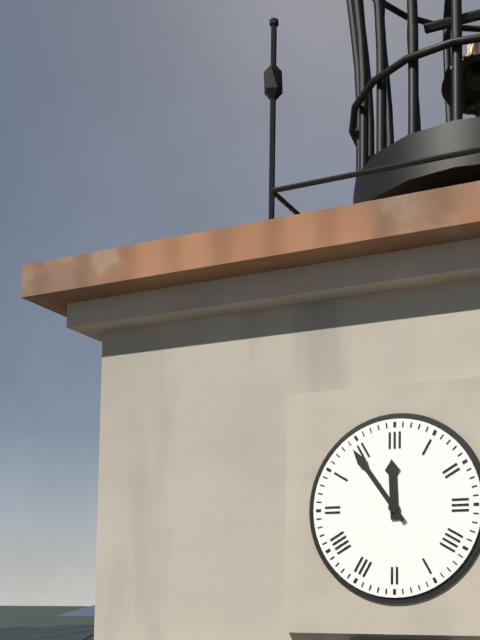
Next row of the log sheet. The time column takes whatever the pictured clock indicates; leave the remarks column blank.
11:54
